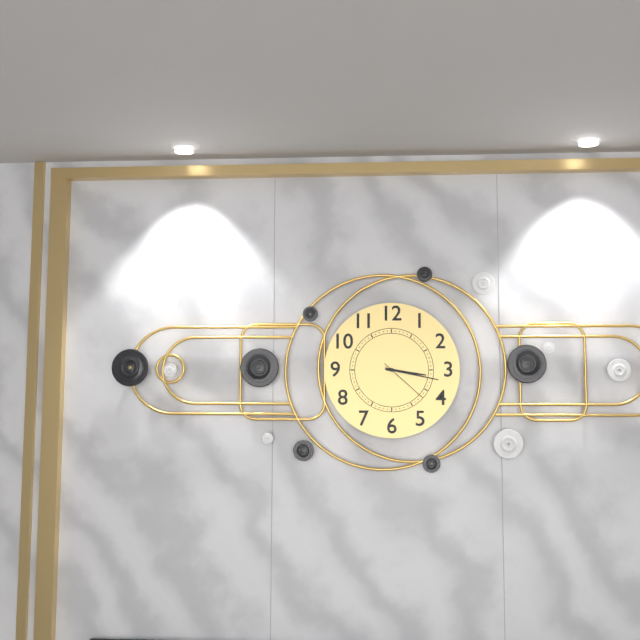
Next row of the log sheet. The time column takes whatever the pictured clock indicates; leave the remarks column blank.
3:17:22
